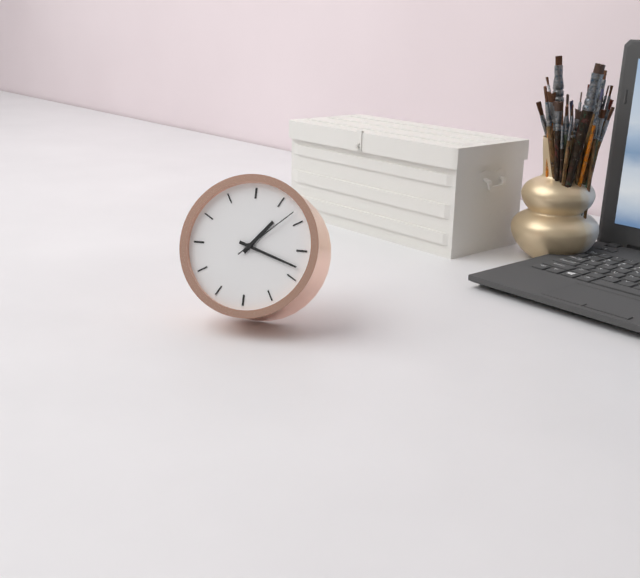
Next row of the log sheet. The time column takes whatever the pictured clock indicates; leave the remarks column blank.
1:18:08
